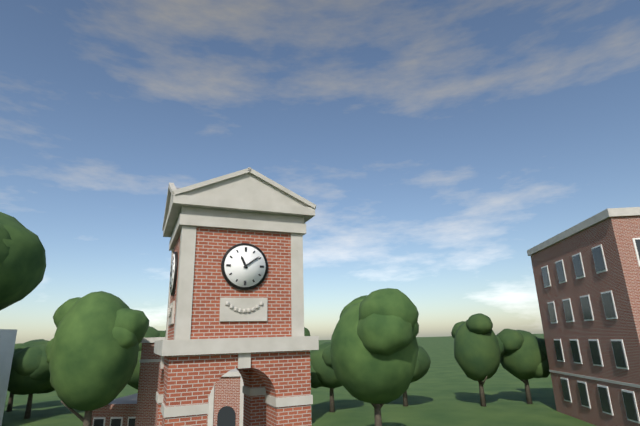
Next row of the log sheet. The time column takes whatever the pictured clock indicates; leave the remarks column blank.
11:09
